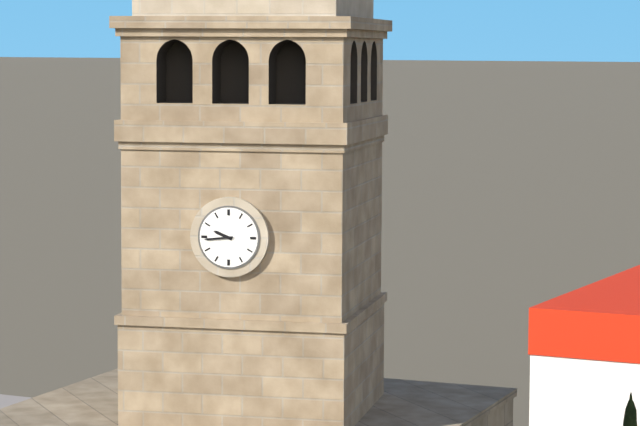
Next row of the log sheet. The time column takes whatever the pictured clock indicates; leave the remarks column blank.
9:44
